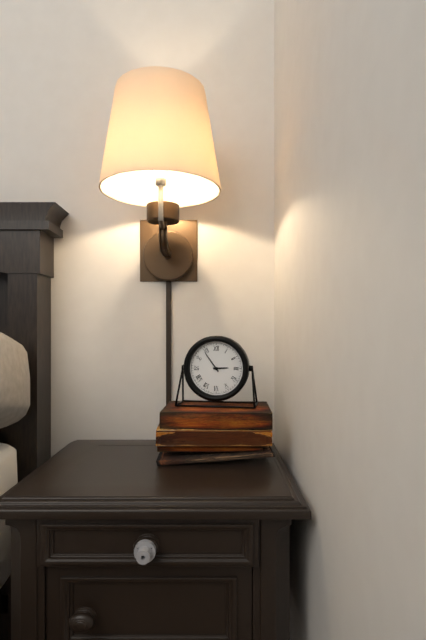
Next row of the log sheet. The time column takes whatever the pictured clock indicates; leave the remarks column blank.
2:54
